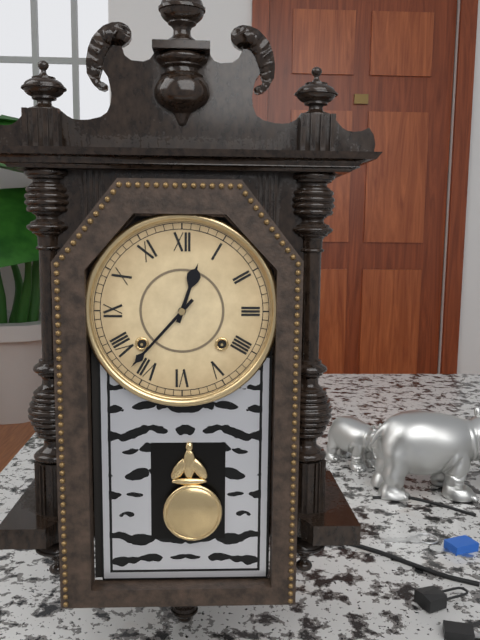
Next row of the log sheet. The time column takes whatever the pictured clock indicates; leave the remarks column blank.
12:37
